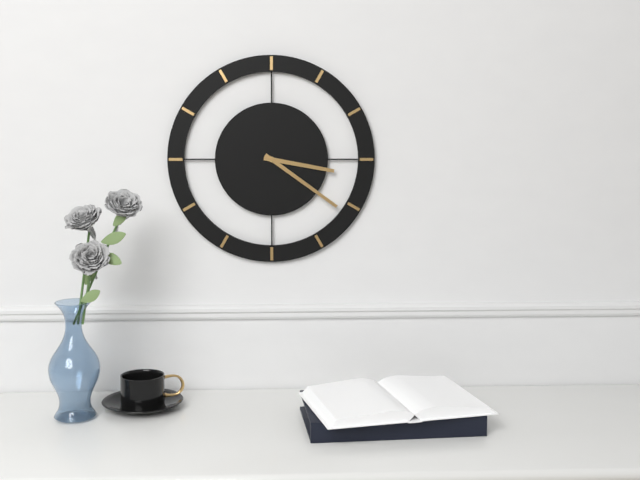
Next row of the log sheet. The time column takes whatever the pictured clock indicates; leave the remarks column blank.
3:21
